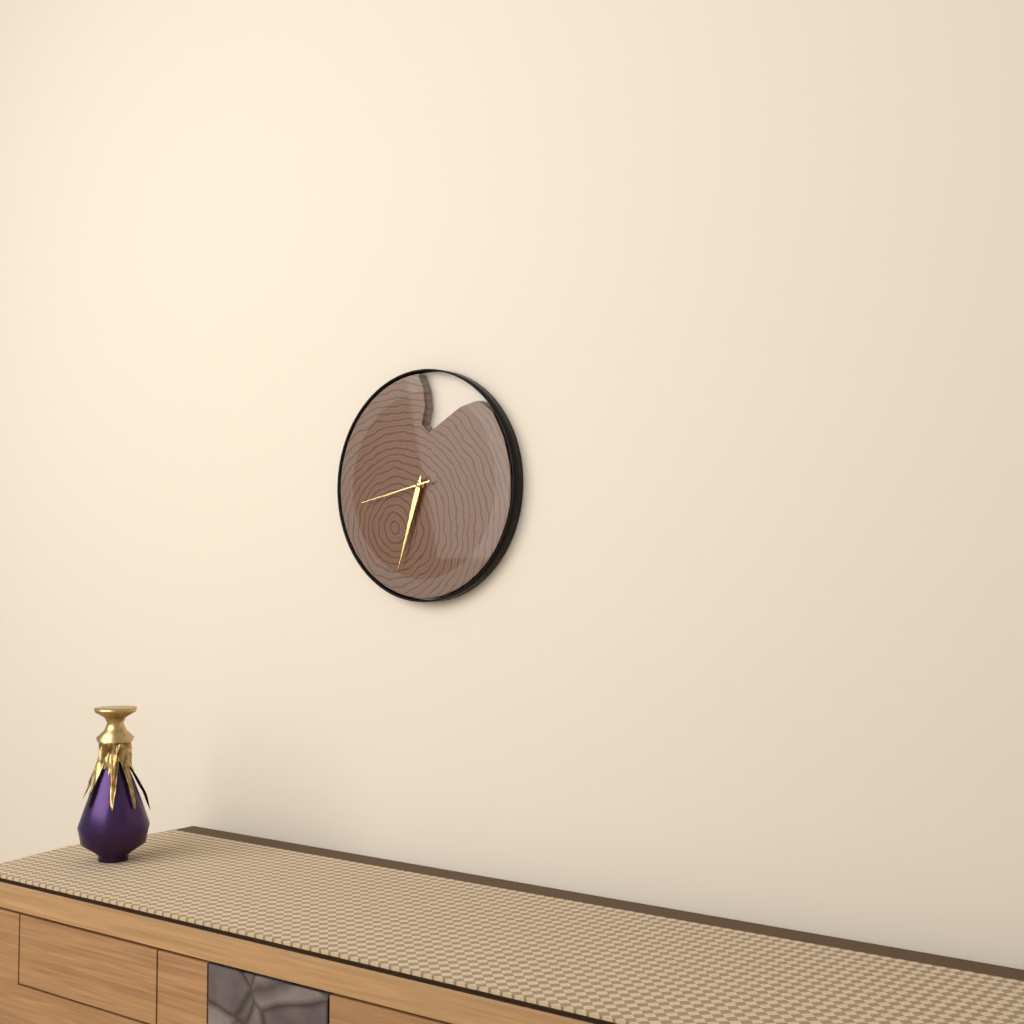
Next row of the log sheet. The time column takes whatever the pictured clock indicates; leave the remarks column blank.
6:33:43
